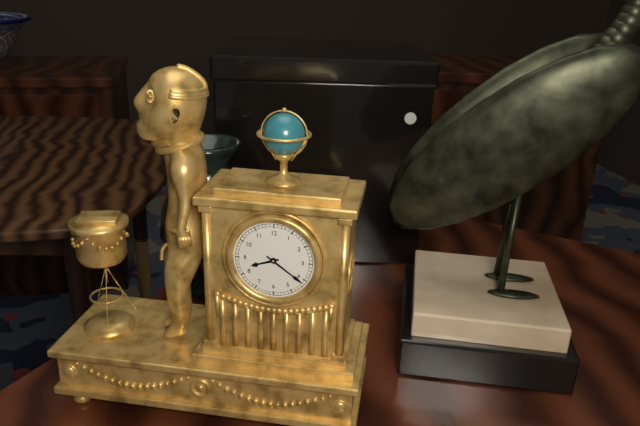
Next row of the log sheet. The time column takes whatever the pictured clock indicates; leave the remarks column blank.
8:21
